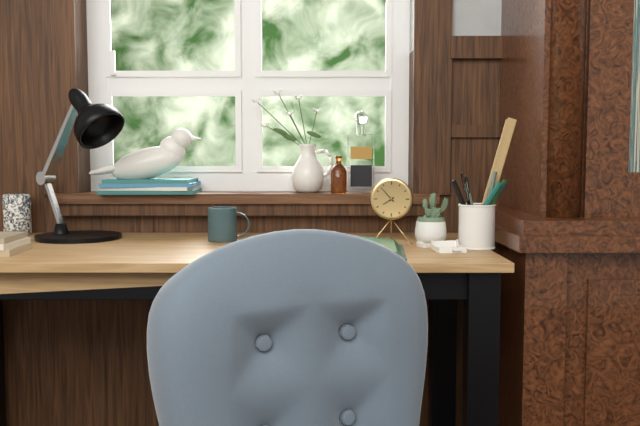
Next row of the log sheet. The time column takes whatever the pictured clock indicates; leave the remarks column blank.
7:53
